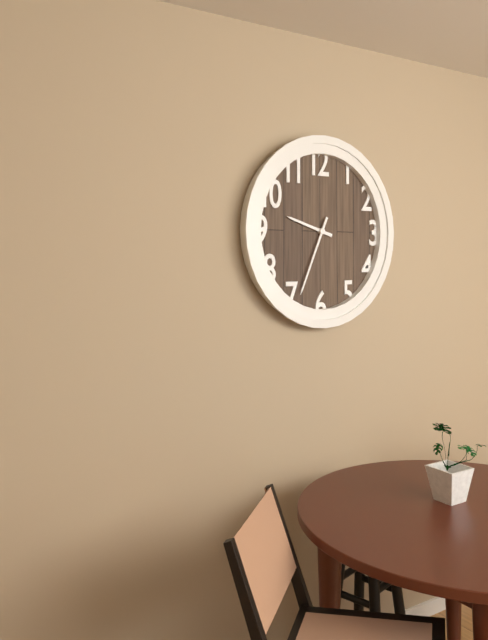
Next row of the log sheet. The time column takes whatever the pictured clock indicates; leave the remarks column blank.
9:34
